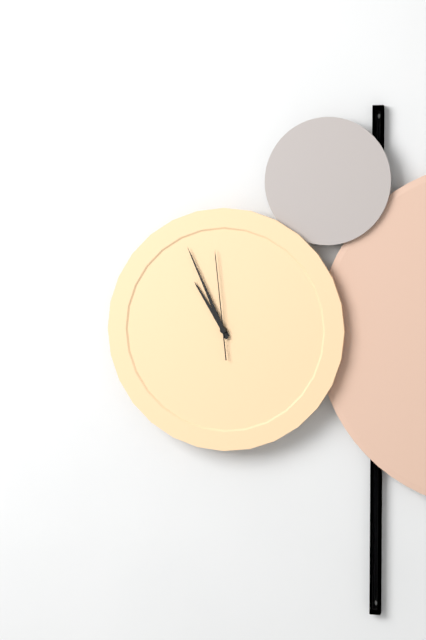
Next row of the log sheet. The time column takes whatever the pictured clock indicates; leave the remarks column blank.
10:56:59
